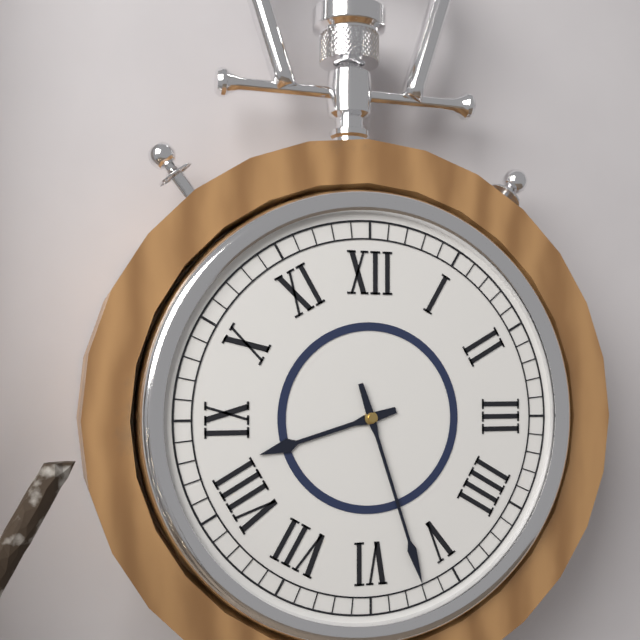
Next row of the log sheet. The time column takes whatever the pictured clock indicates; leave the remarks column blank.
8:27
